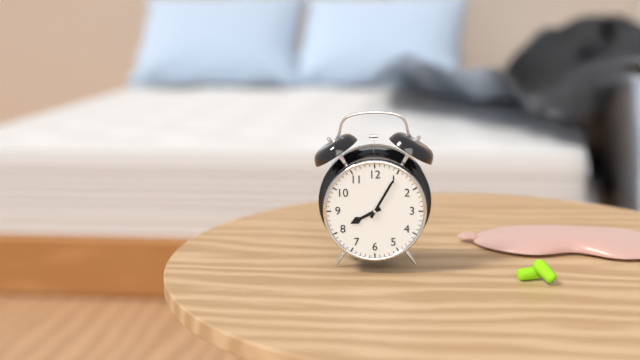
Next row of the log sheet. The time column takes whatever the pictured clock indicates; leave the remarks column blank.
8:05
